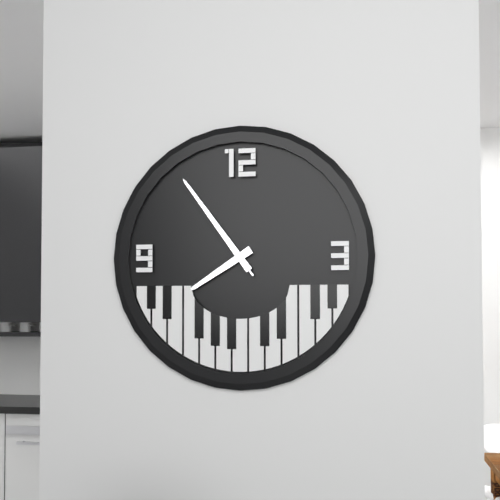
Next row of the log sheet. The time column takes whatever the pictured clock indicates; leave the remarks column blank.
7:54:54
